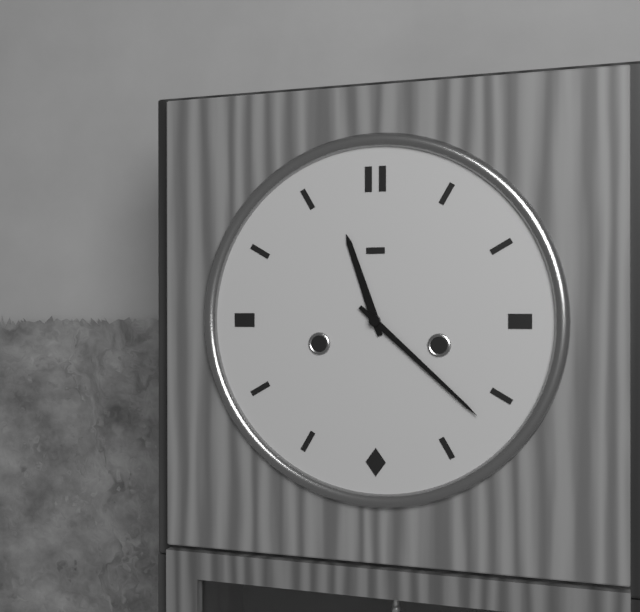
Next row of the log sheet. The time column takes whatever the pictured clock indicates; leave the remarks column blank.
11:22
